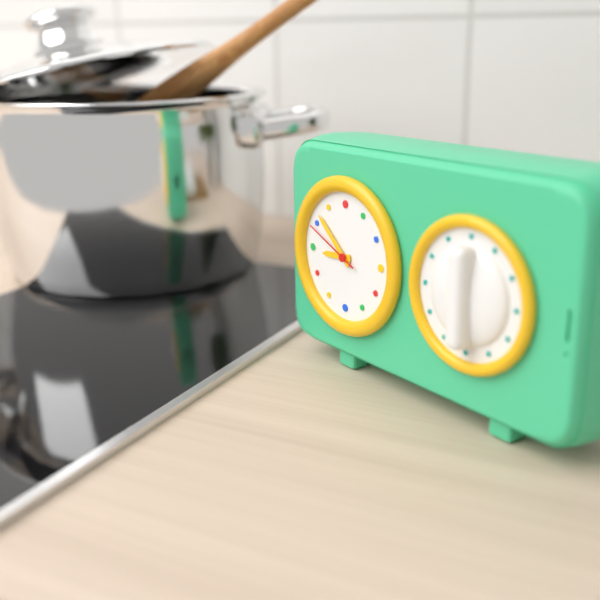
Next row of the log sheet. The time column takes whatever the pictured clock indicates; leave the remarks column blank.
8:52:49
